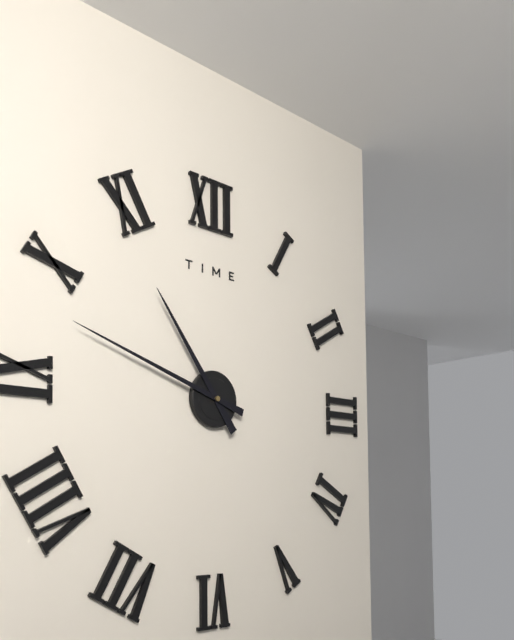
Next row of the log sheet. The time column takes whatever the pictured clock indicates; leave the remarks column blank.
10:48
